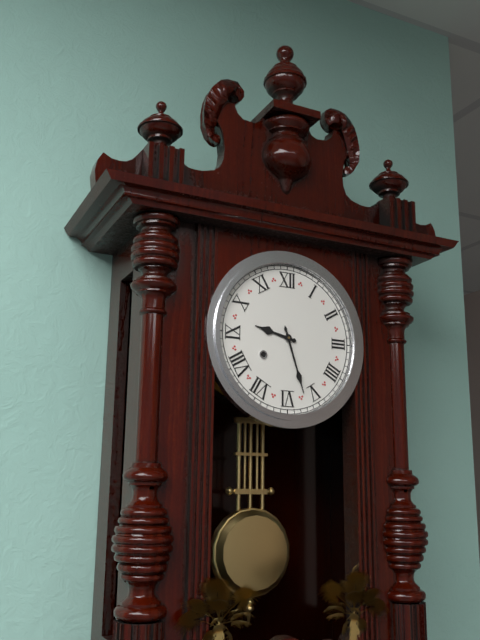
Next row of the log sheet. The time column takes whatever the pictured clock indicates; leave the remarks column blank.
9:27
